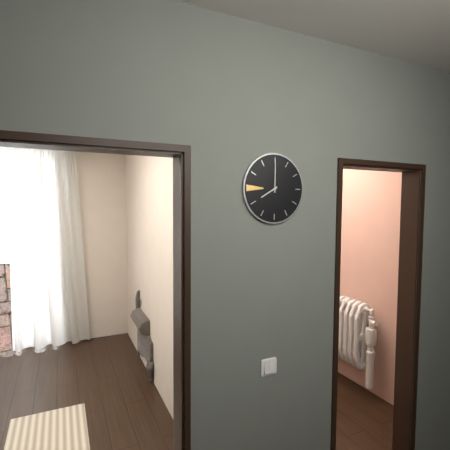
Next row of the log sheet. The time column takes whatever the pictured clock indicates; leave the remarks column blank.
8:00
